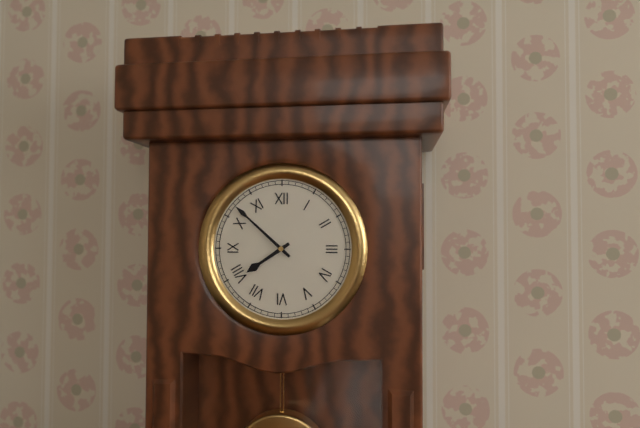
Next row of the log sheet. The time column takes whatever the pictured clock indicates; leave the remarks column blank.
7:52
